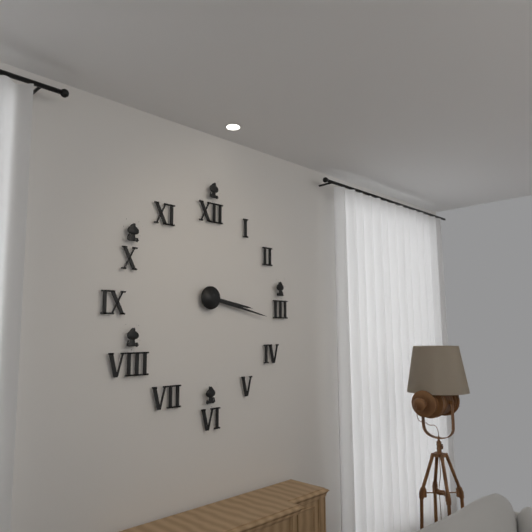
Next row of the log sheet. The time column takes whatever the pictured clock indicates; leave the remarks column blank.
3:17
